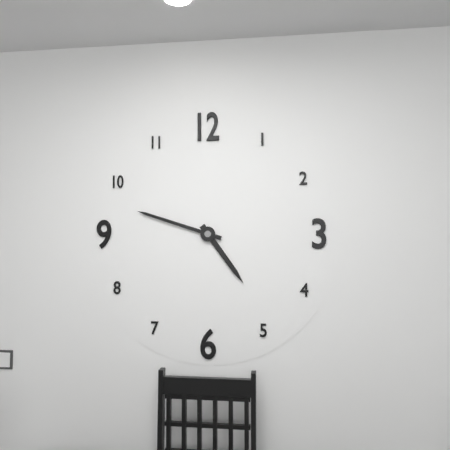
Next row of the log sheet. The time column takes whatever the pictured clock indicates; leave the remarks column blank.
4:48
